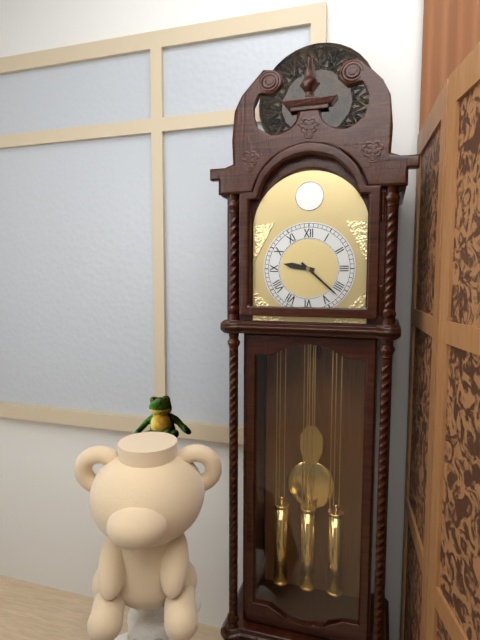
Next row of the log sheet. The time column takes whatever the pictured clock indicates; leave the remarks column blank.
9:22
